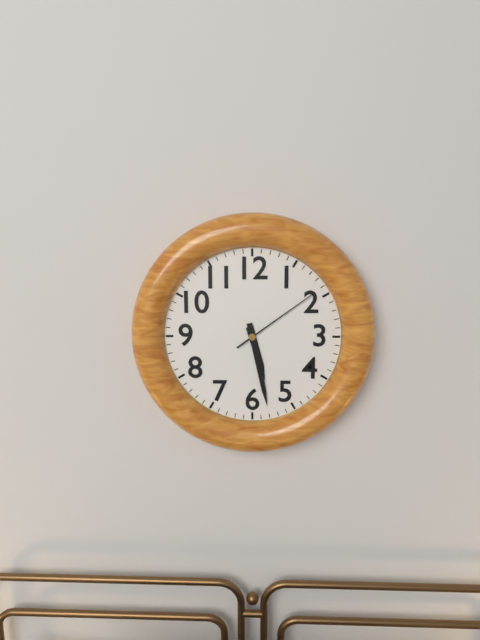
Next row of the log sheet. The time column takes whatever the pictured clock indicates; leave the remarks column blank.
5:28:09
